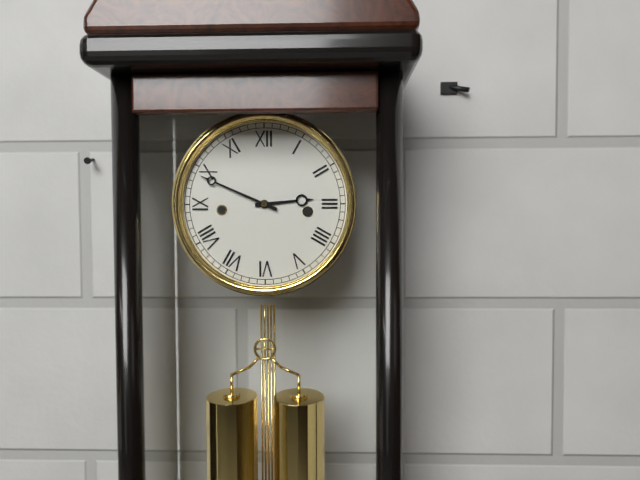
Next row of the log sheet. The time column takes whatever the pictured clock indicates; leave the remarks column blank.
2:49
